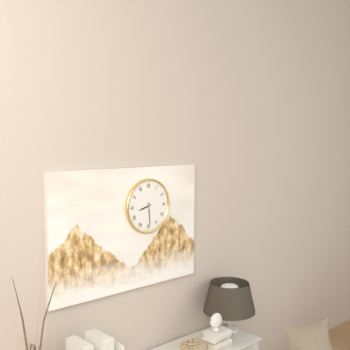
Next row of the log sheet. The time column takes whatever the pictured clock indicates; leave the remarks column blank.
8:29
